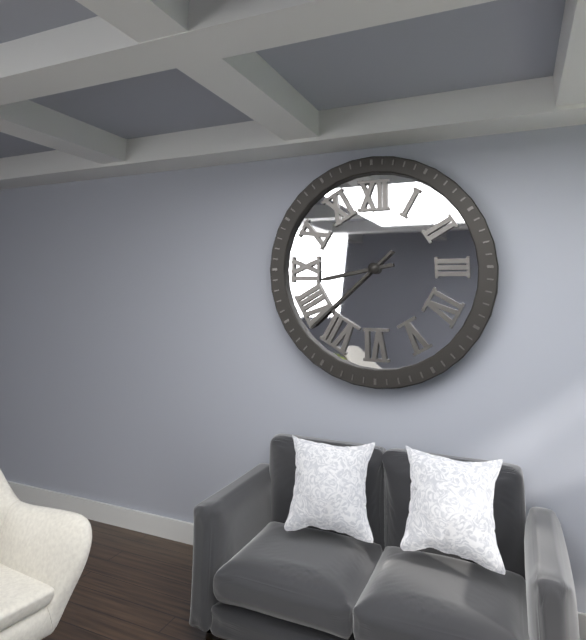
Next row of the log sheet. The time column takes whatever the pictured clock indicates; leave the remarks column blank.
8:38
